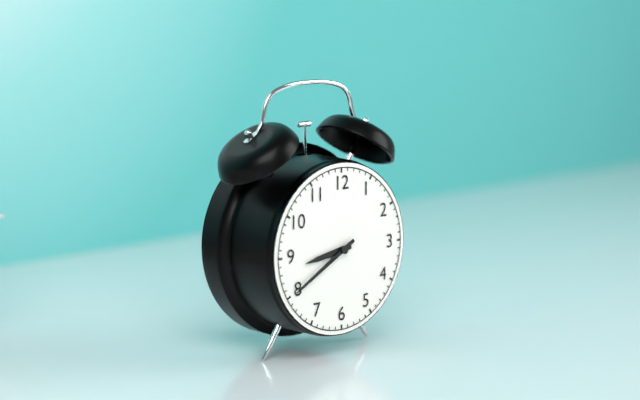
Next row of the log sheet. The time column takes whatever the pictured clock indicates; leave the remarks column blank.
8:40
